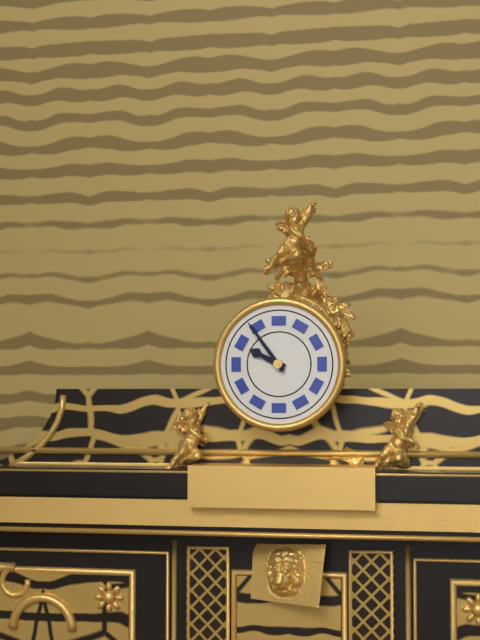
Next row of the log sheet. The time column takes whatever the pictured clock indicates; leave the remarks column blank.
9:54
